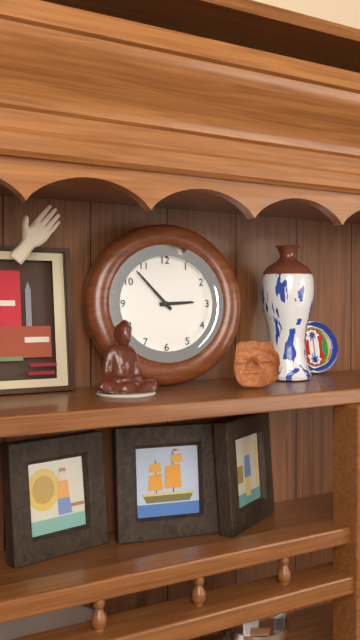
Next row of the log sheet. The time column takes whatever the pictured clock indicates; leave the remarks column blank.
2:53
